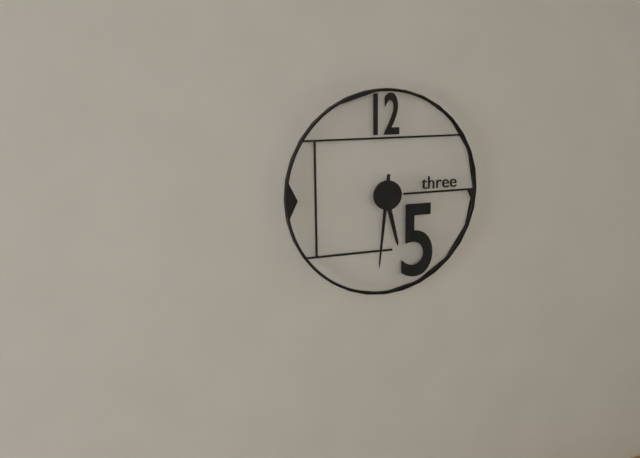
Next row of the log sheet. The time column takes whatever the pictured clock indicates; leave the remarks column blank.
5:31
